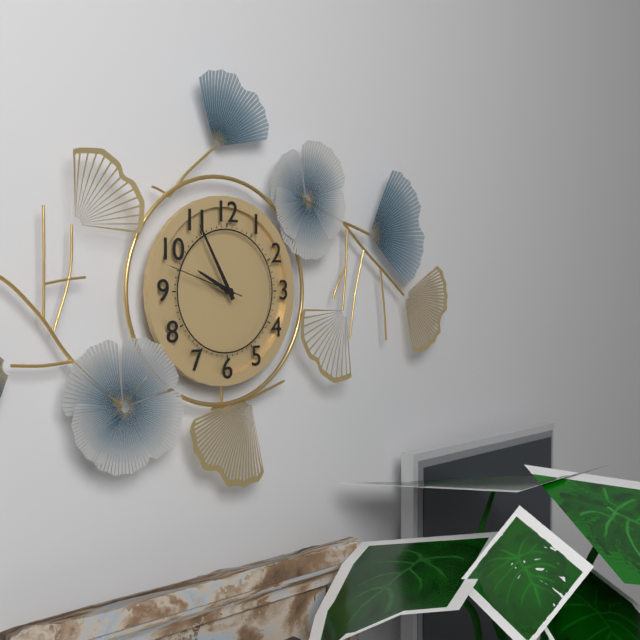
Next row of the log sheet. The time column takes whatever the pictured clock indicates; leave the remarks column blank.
9:55:48
